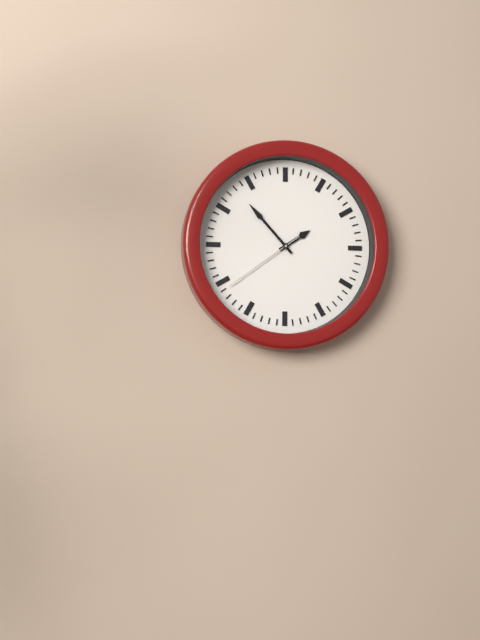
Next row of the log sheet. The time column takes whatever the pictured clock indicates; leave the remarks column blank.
1:53:39
